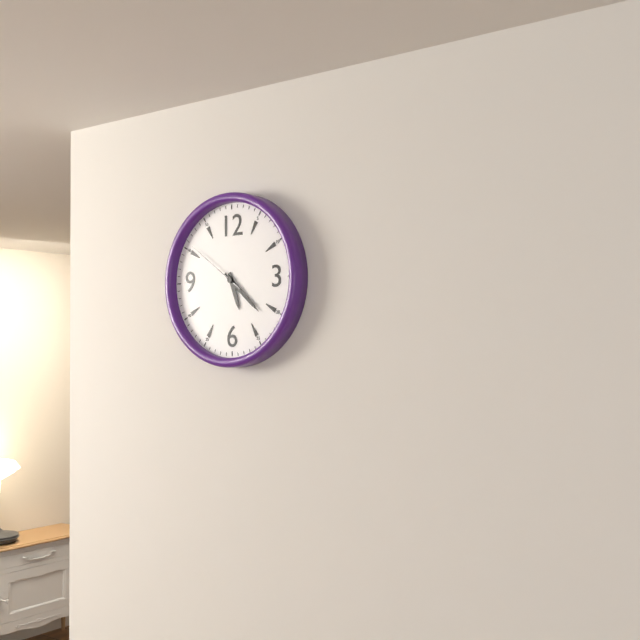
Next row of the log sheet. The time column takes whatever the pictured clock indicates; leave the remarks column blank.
5:22:51
